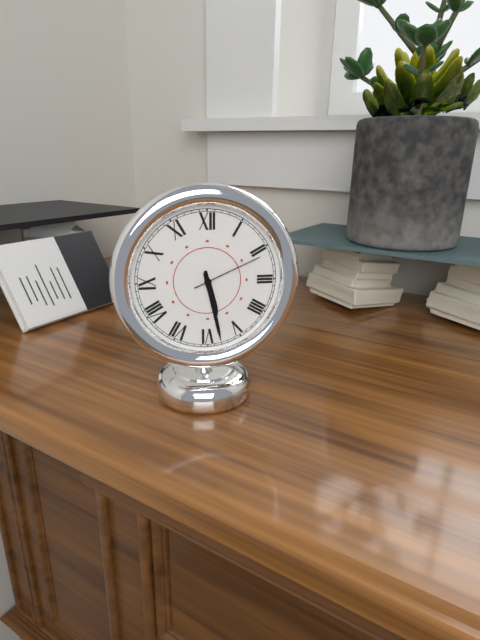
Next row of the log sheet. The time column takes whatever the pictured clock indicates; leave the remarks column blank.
5:28:11
